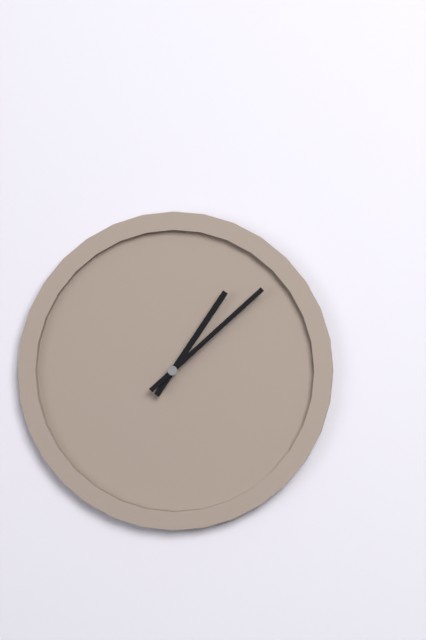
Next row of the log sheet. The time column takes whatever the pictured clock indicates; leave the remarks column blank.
1:08
